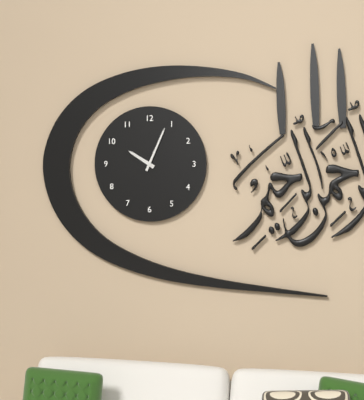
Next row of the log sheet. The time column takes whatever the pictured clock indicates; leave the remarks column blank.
10:04
